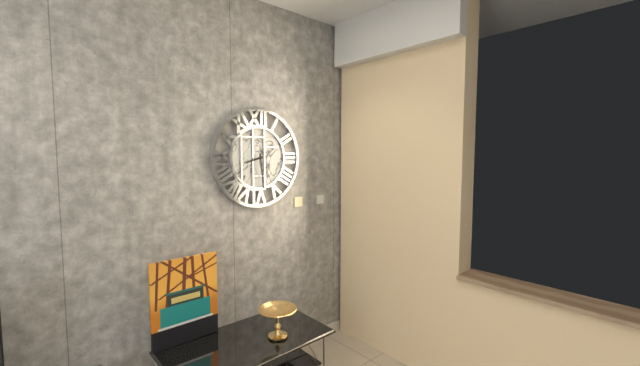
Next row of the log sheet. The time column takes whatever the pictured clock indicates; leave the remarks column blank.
8:29
